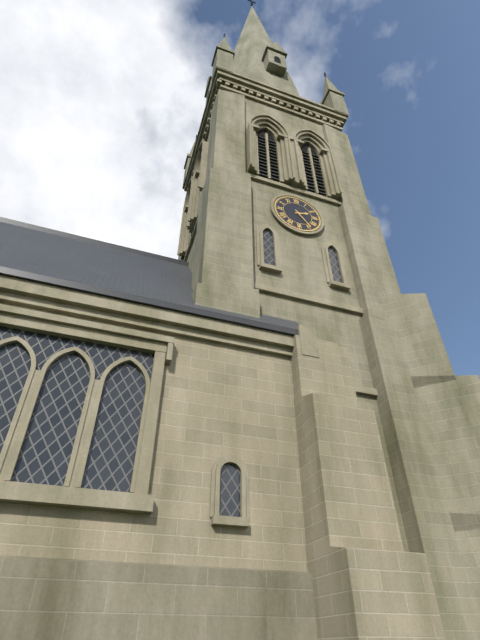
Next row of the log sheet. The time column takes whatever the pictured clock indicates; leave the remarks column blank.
2:24
